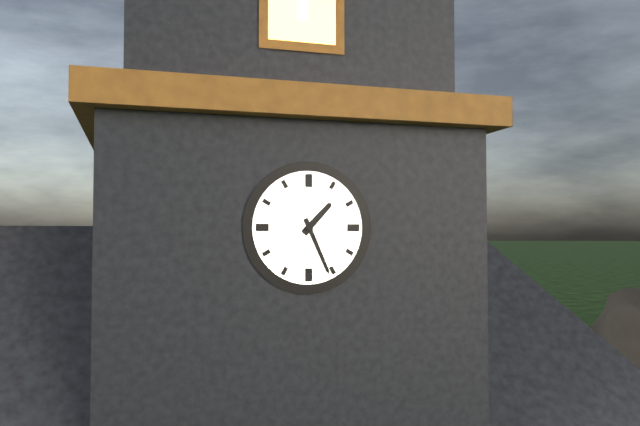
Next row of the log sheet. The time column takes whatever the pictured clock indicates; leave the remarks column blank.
1:26
